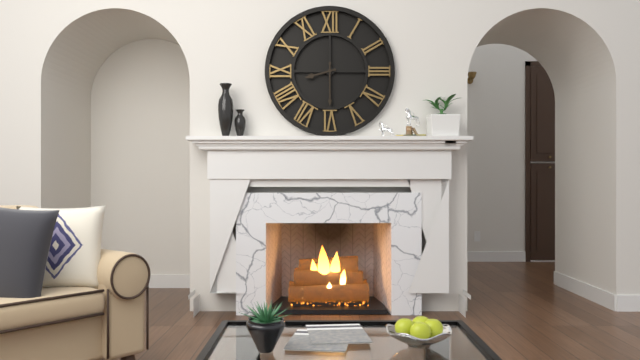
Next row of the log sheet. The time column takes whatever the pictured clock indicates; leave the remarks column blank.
8:30
